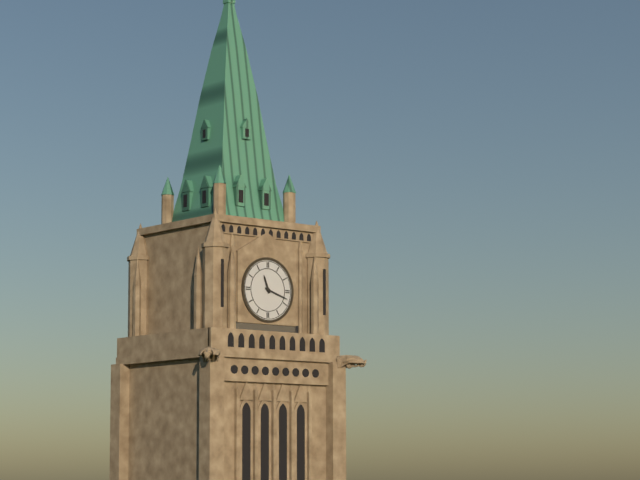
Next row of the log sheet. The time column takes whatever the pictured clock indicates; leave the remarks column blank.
11:18
